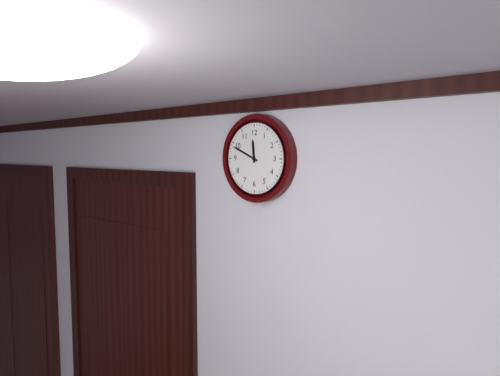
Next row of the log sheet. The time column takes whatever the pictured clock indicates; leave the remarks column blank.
11:49
